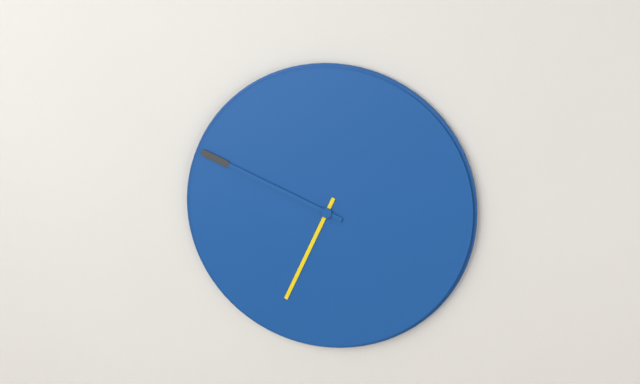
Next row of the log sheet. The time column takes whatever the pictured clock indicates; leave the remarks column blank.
6:49
